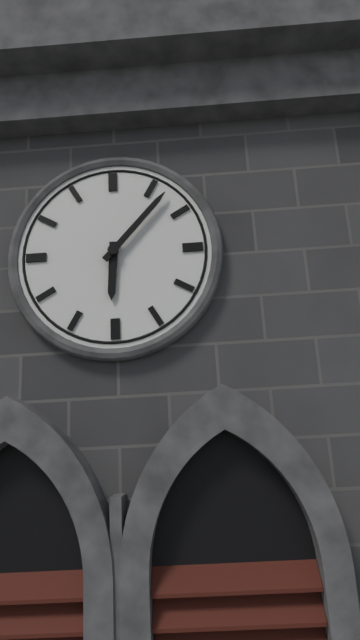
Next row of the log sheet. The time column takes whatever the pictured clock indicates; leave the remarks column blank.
6:07
